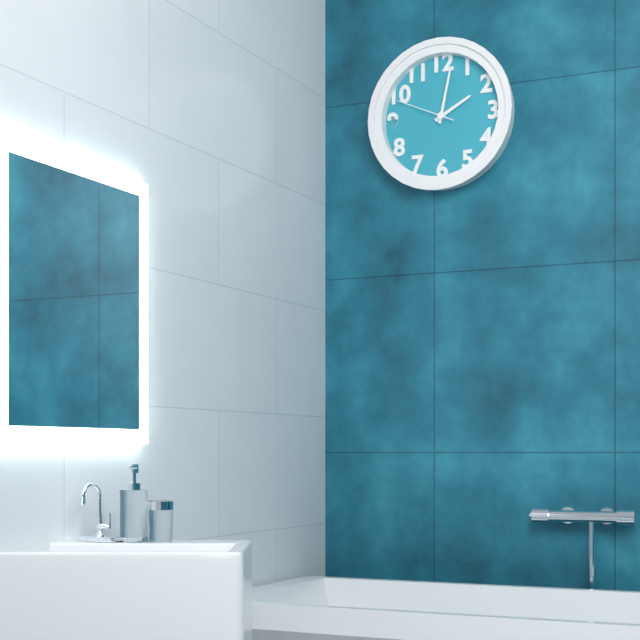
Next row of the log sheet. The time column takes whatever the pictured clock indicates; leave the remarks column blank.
2:02:49
